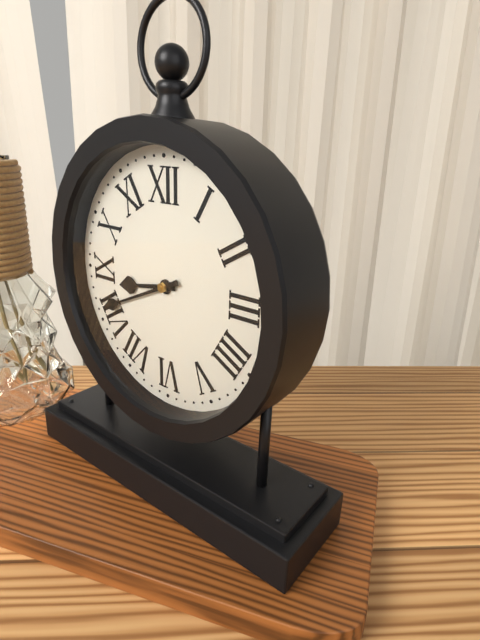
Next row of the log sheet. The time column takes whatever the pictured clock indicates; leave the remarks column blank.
8:41
